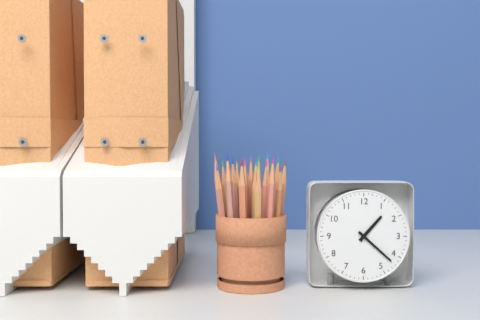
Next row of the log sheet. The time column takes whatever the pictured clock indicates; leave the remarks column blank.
1:22
